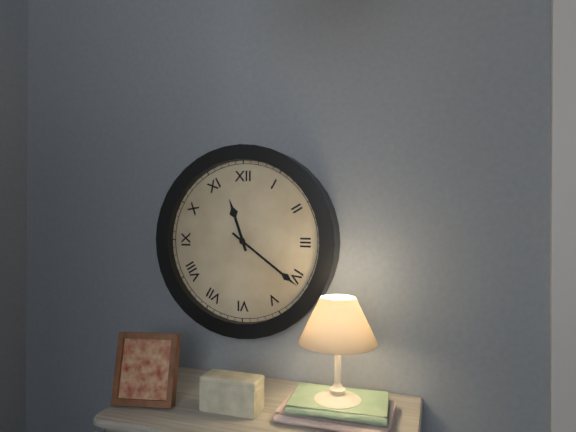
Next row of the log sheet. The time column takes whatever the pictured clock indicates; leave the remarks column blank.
11:21
